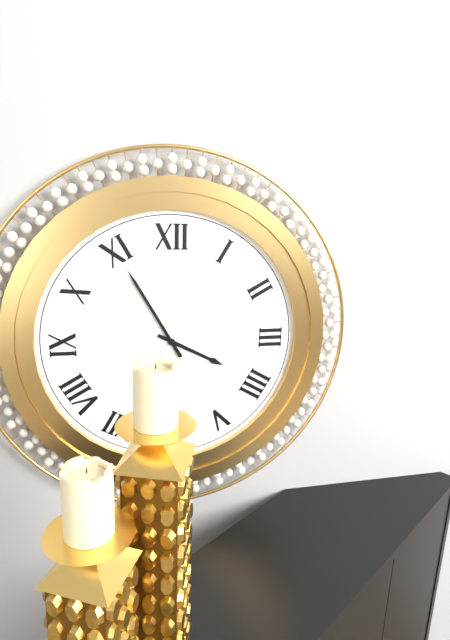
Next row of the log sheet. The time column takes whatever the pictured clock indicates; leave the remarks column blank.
3:55
